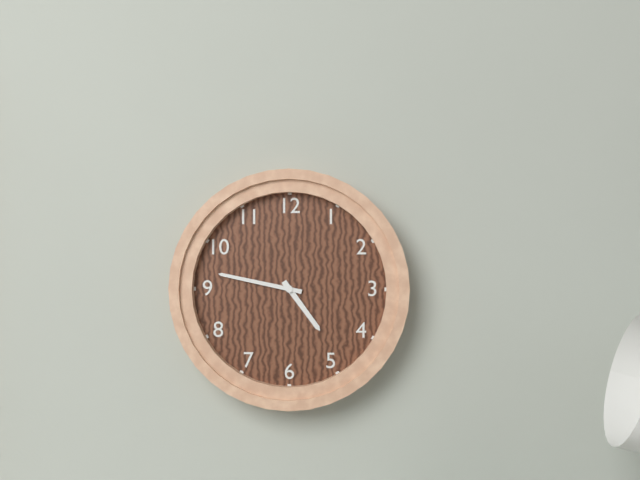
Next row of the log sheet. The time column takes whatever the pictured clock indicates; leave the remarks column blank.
4:47
